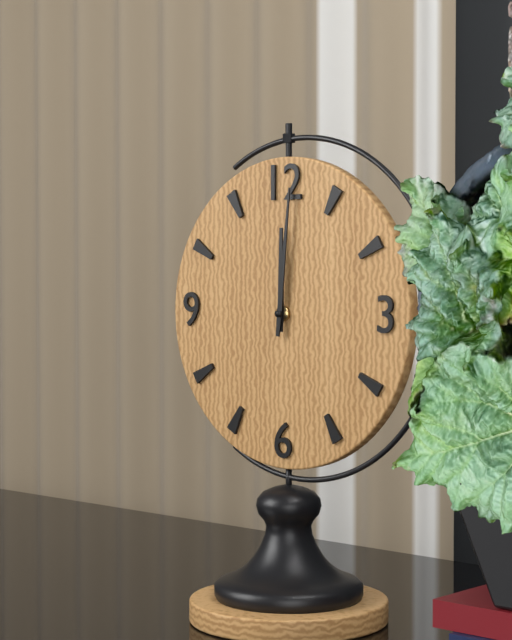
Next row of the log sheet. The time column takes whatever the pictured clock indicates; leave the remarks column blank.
12:01
